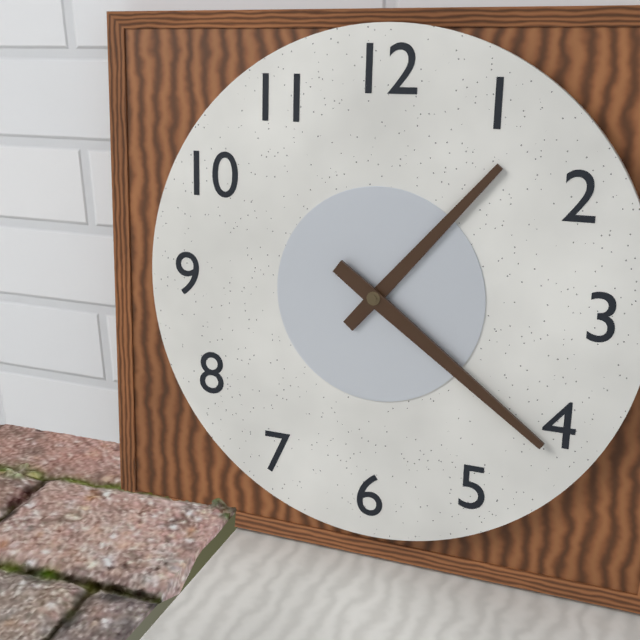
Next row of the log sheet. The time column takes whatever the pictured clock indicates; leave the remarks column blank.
1:21
